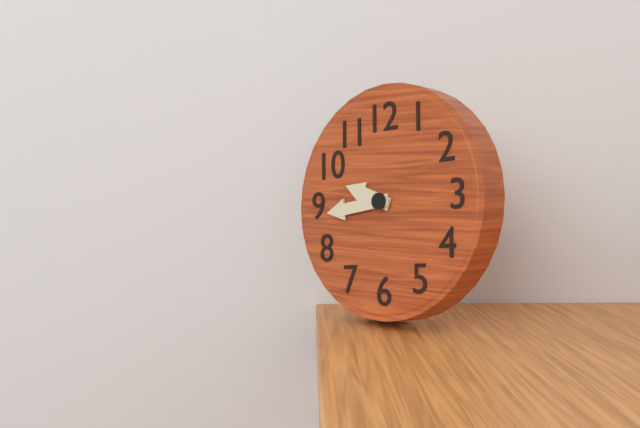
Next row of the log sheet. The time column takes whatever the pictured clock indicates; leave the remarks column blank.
9:44
